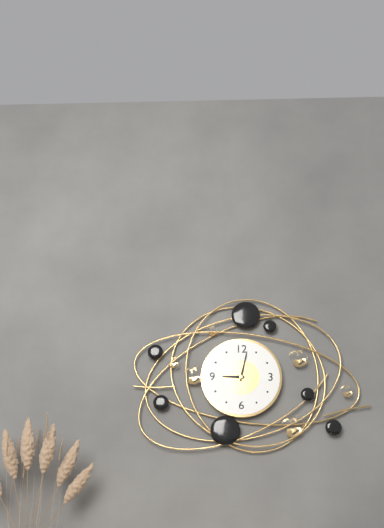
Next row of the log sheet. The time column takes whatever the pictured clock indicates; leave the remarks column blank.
9:02
